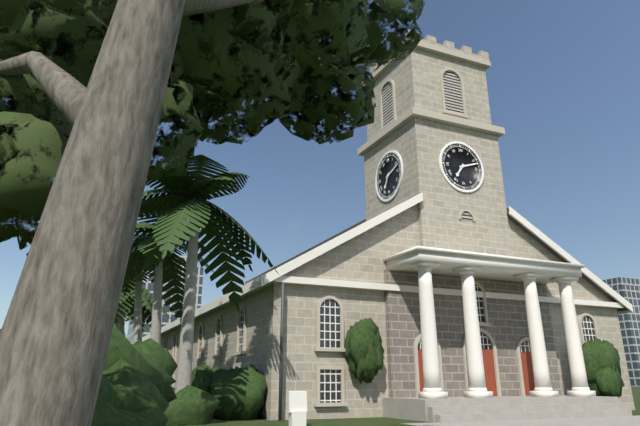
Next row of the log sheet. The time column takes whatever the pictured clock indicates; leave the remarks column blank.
7:12
